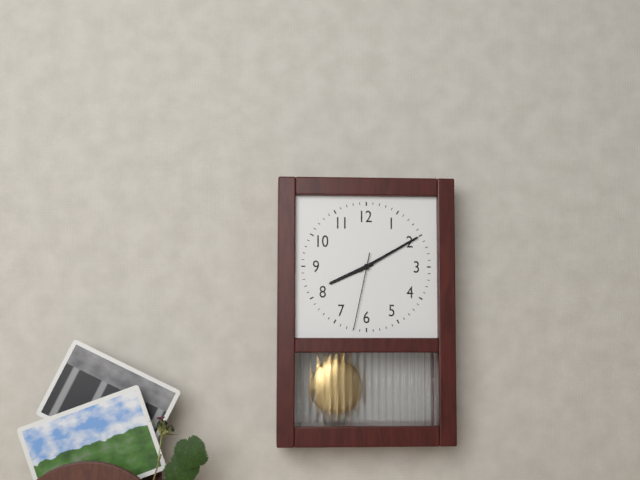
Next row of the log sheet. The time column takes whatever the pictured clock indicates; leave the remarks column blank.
8:10:32
